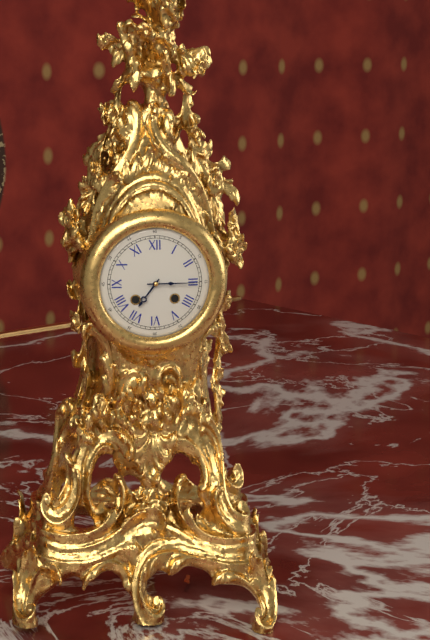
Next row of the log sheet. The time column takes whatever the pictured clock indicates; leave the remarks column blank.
7:15
